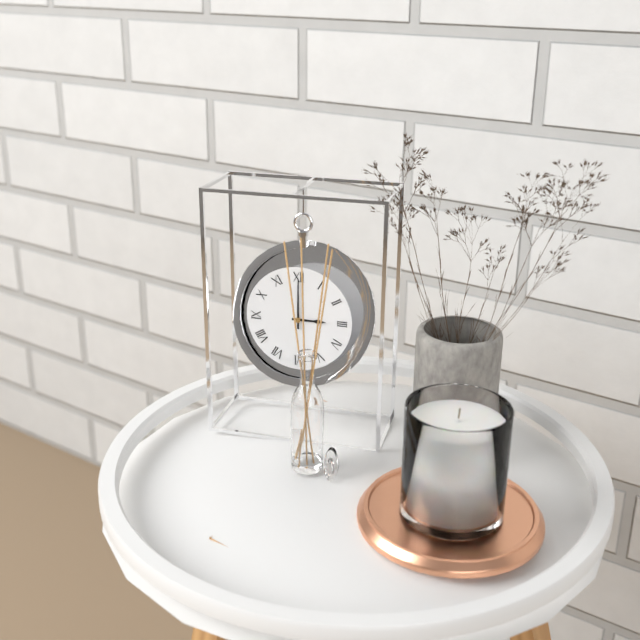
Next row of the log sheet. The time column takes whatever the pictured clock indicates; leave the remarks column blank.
3:00
